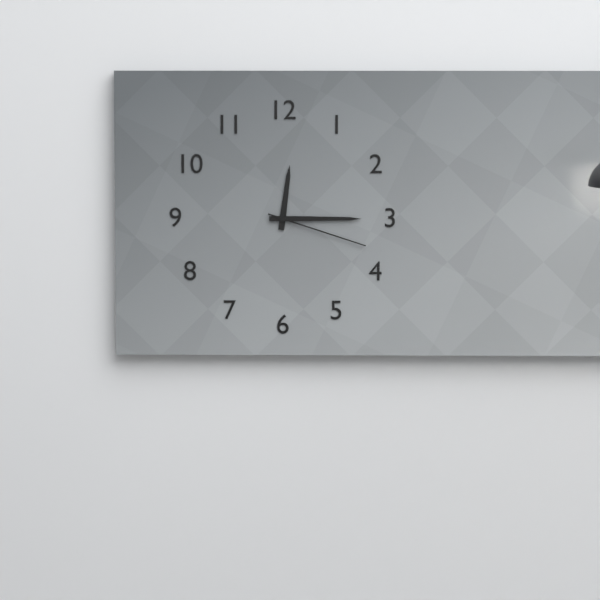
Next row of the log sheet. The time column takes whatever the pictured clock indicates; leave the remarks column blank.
12:15:18
